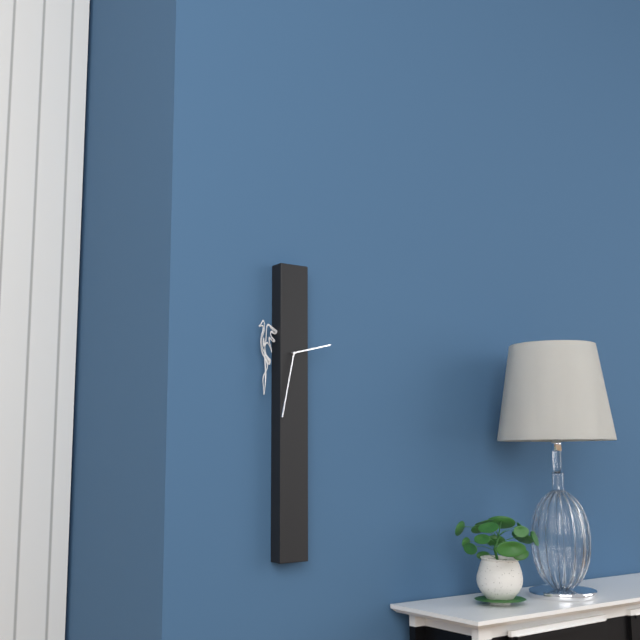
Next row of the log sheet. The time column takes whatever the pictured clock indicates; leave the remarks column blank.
2:32
